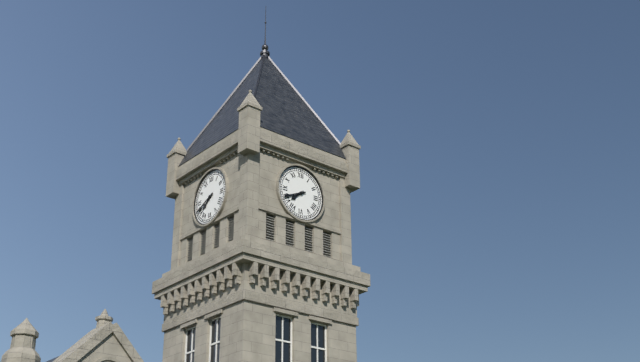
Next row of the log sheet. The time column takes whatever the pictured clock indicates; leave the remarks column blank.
7:41
